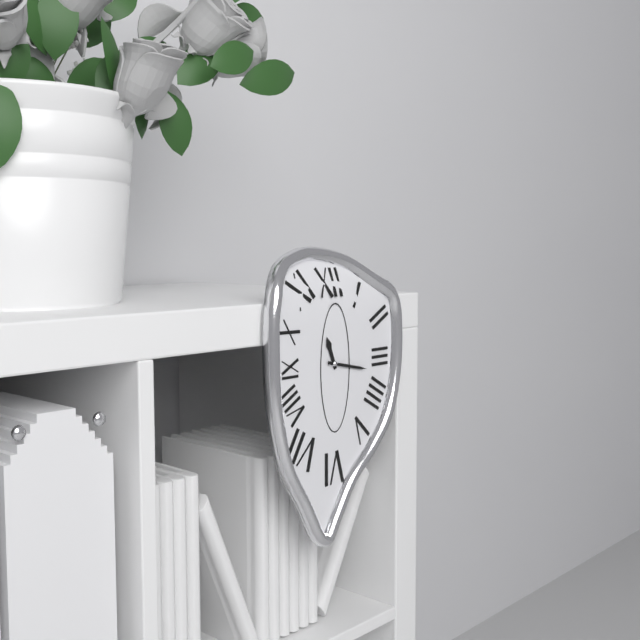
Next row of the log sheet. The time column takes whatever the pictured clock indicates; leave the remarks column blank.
11:17
